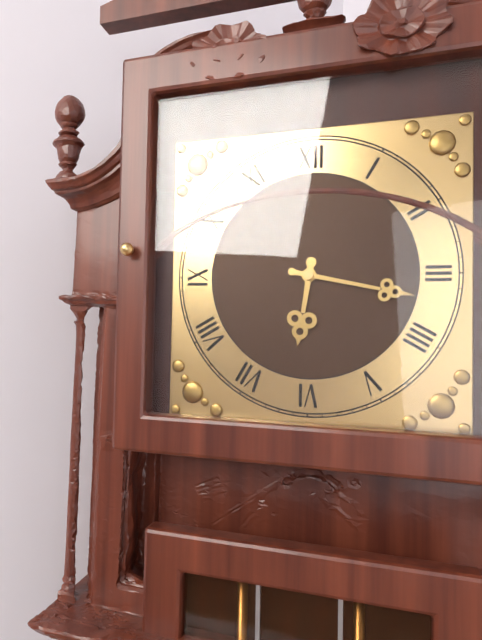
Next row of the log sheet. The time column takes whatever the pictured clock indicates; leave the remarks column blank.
6:17
